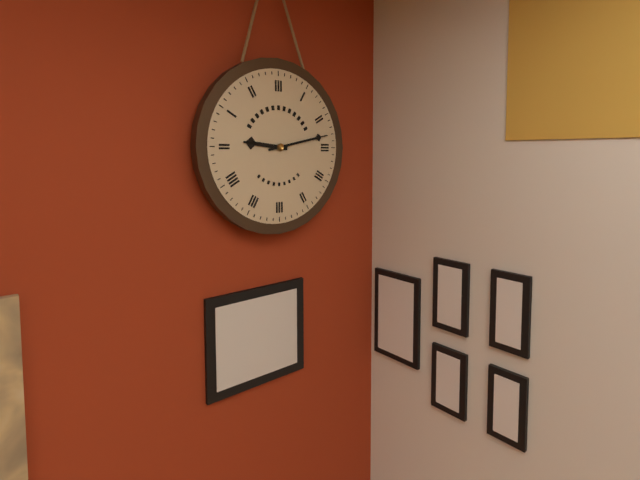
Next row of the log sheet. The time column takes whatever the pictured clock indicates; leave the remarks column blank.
9:13
